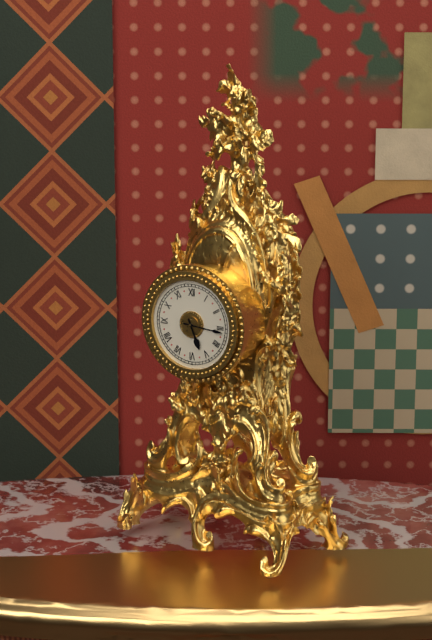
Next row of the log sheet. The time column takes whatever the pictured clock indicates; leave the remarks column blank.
5:16
